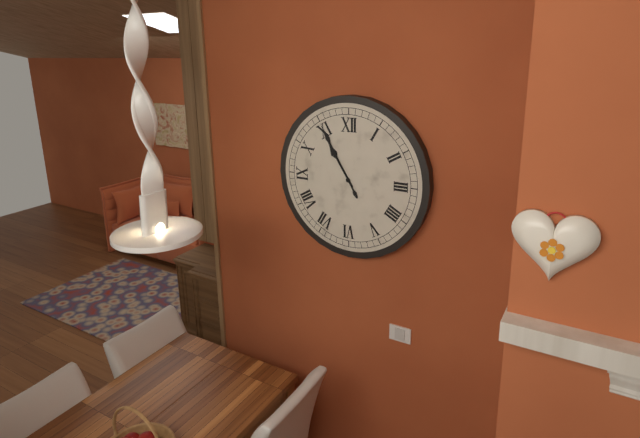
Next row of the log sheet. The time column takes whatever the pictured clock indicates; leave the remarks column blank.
10:55
